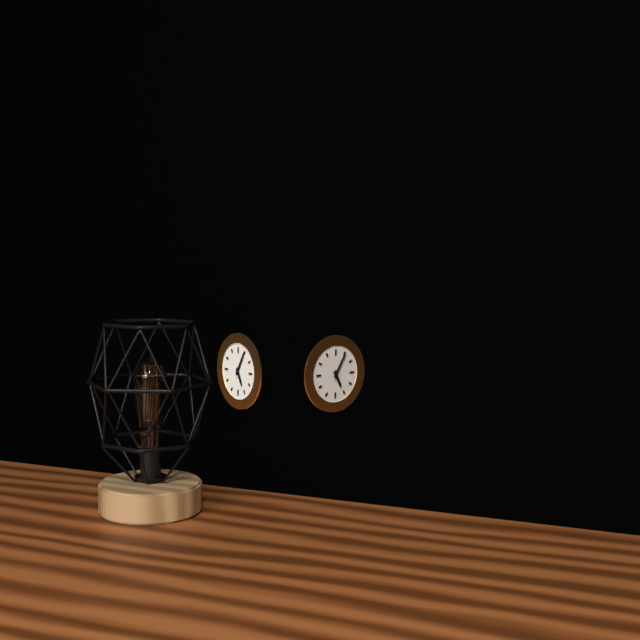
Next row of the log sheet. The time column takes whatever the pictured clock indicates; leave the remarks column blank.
5:05
